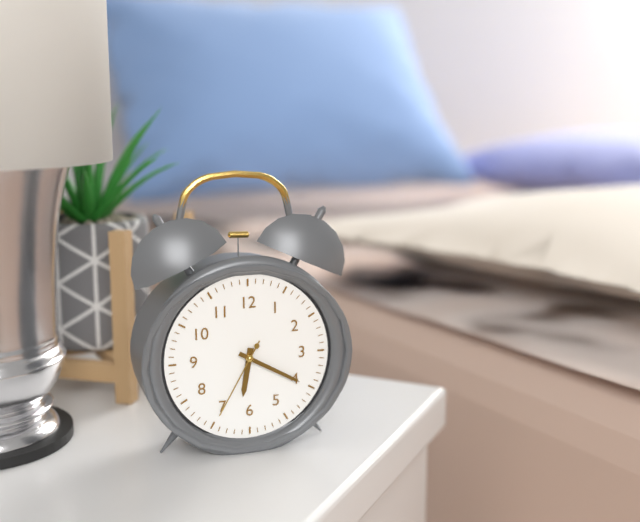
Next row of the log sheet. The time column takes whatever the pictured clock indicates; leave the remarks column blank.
6:20:35
